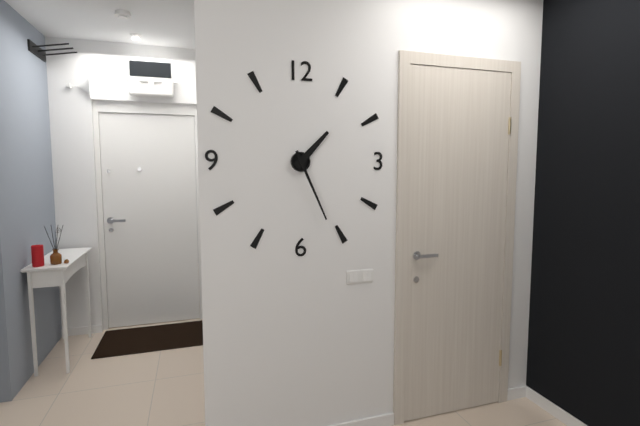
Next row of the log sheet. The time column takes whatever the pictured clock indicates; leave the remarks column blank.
1:26
